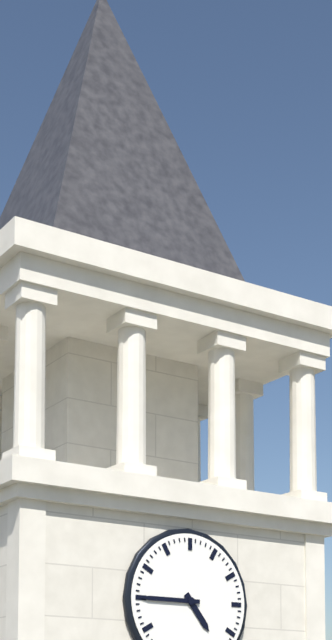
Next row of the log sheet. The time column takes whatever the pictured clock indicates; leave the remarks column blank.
4:45
